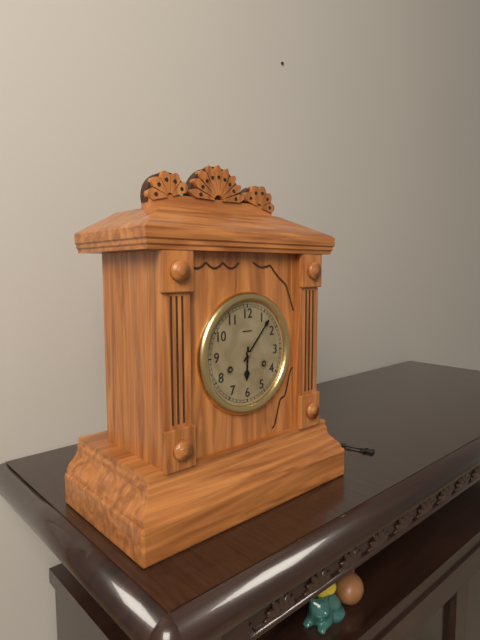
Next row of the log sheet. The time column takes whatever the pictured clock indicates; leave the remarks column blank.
6:07
